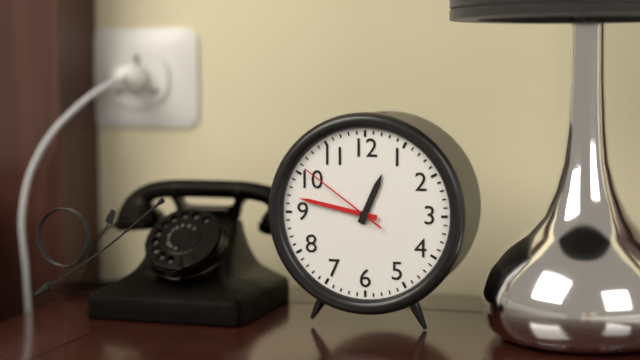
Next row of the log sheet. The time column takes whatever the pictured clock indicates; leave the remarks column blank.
12:47:51
